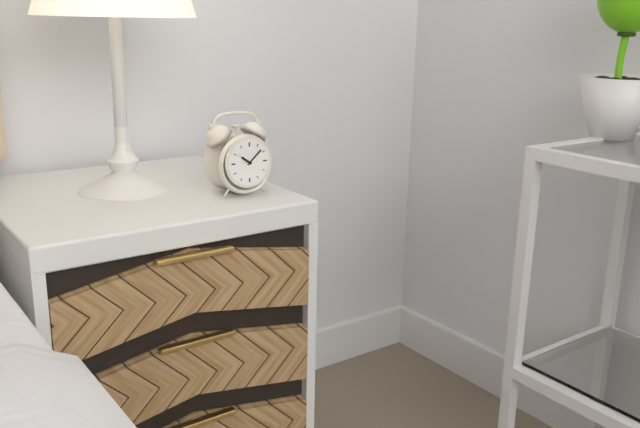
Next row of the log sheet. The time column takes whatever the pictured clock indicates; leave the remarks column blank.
10:08
